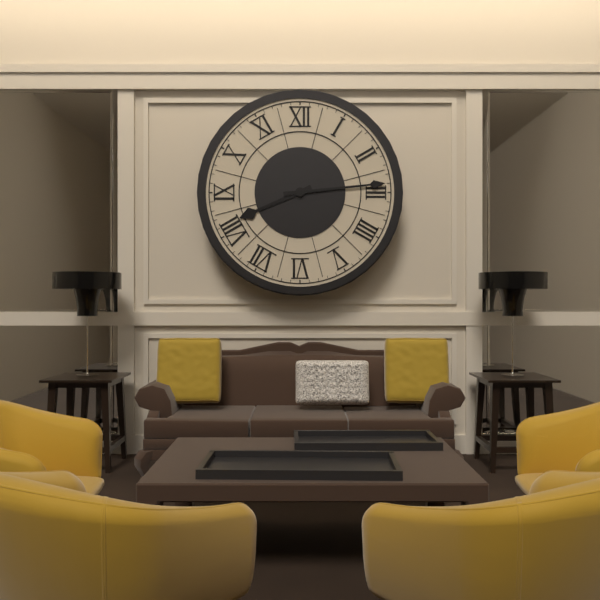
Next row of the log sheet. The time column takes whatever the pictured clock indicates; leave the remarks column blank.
8:14
